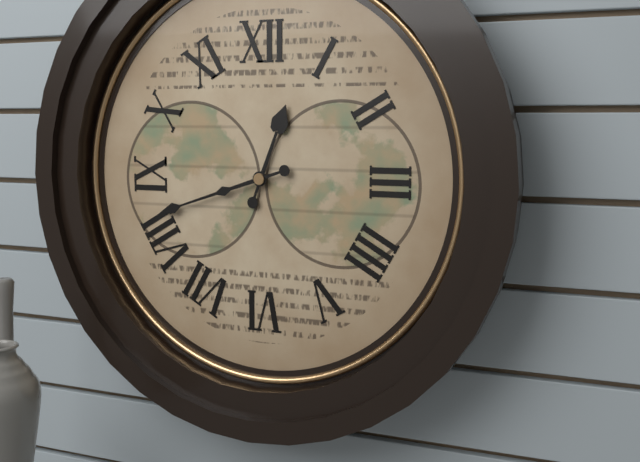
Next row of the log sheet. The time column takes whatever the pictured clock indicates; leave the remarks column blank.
12:42
